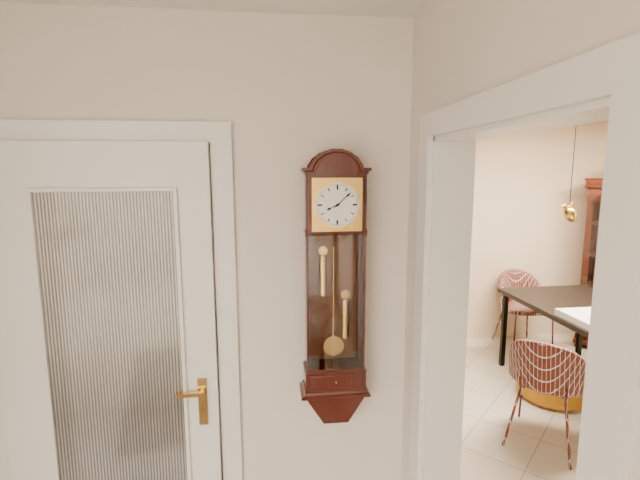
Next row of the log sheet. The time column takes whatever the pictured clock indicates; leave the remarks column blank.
8:08
